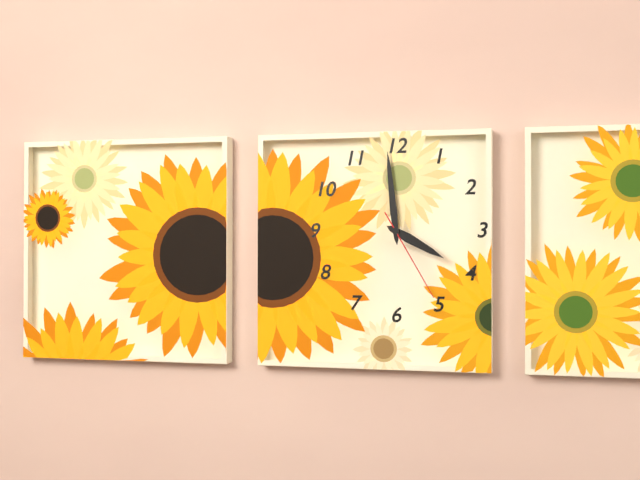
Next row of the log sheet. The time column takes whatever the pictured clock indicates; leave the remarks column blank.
3:59:25
